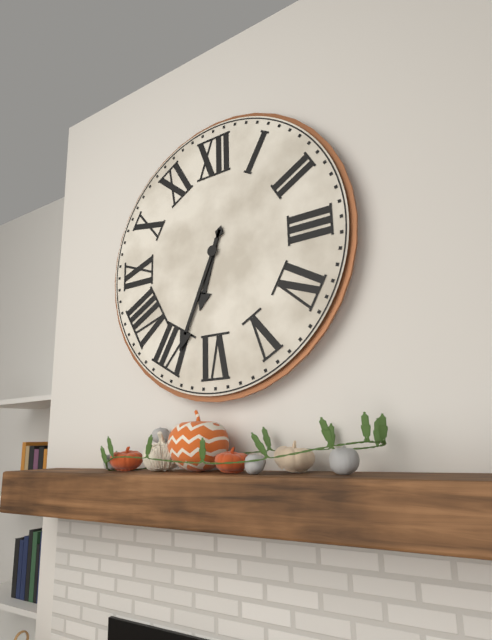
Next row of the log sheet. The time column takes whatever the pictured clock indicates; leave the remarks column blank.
6:34
